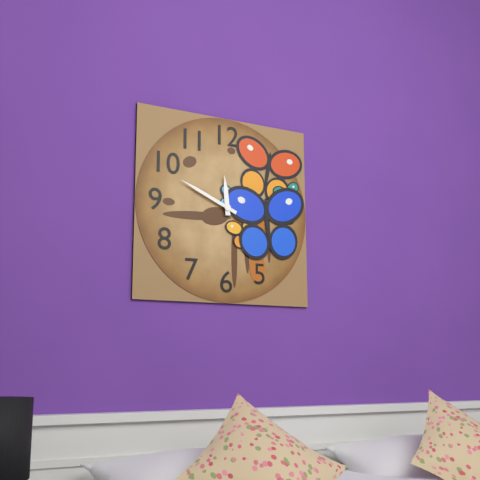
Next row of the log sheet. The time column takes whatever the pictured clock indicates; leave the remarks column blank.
11:49
